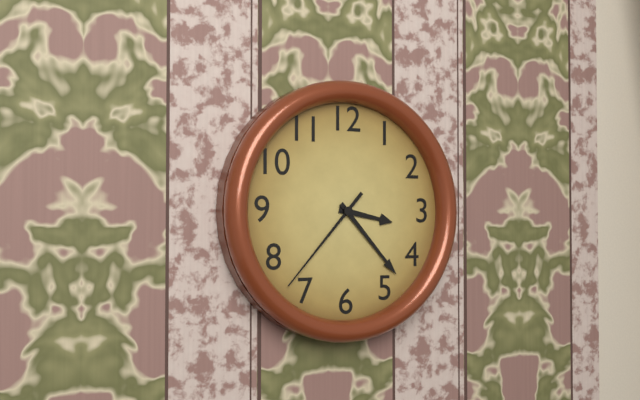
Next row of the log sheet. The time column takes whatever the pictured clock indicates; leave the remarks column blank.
3:23:37
